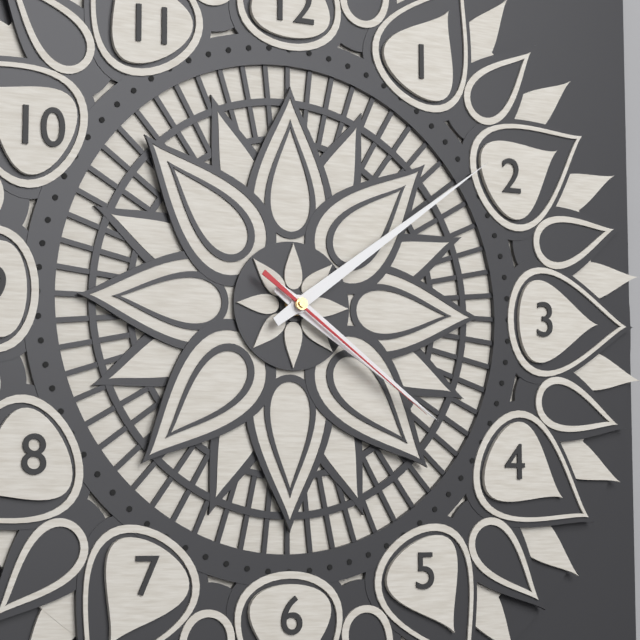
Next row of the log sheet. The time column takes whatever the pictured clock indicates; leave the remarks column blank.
4:09:21
